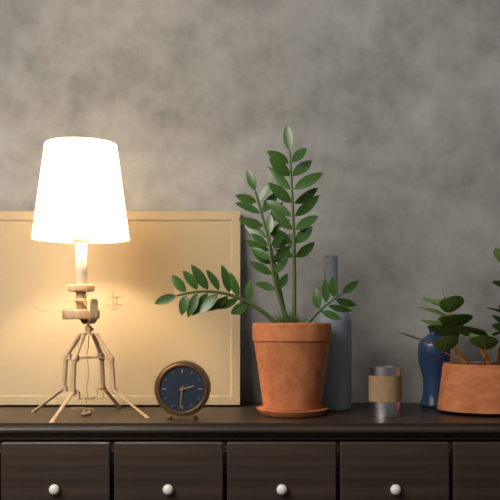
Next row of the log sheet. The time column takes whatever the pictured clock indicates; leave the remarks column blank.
2:31
